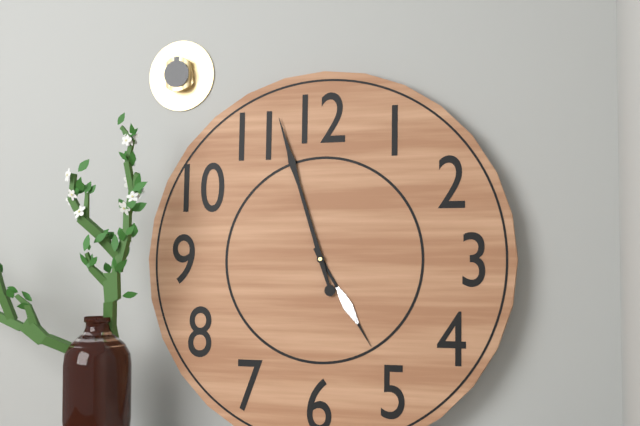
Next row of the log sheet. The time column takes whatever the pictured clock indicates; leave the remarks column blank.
4:57
